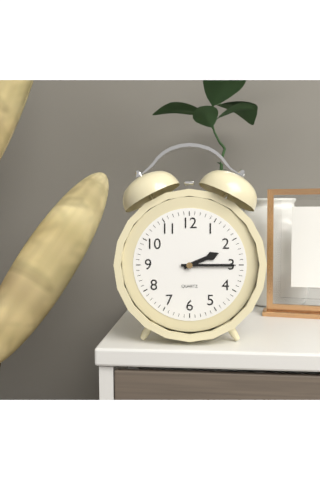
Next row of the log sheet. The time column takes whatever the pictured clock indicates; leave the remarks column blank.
2:15
